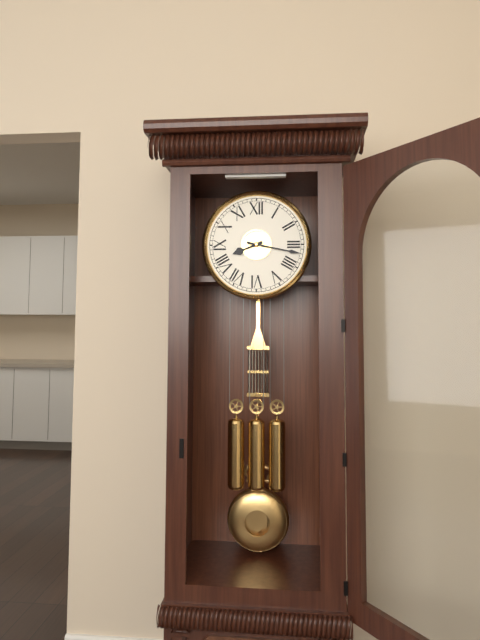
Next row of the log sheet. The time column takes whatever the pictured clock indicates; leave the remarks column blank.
8:17
